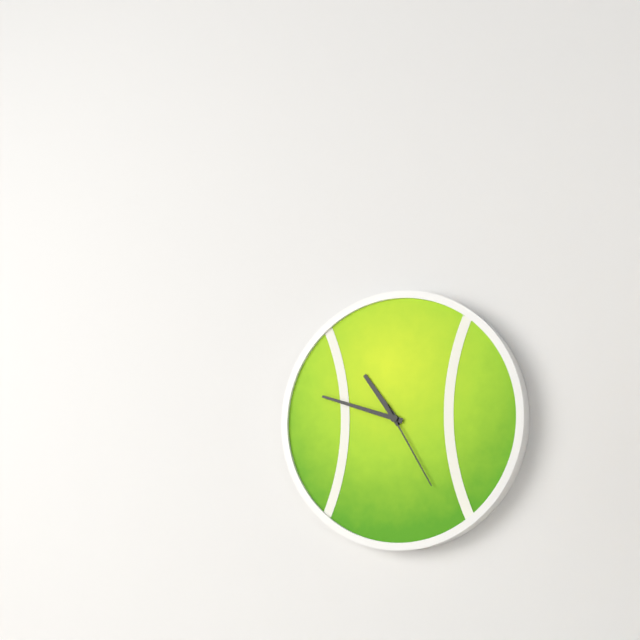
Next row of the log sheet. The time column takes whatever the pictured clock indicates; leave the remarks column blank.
10:48:25
